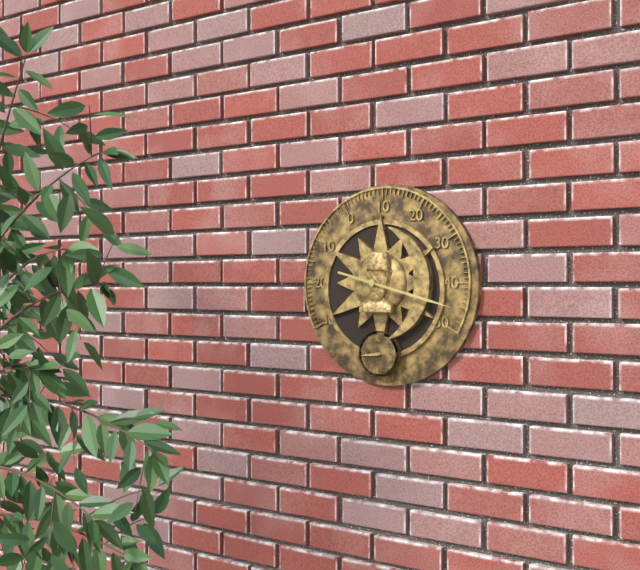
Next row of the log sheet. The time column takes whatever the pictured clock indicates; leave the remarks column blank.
8:44
